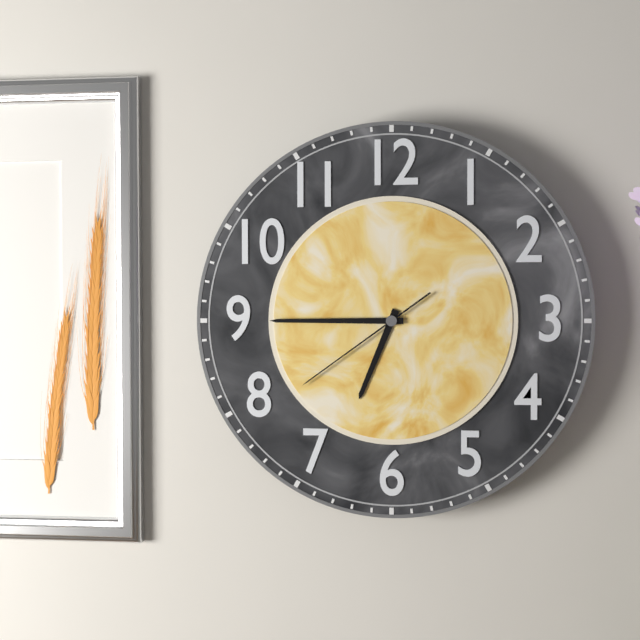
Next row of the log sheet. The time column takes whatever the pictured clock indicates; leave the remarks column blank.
6:45:39
